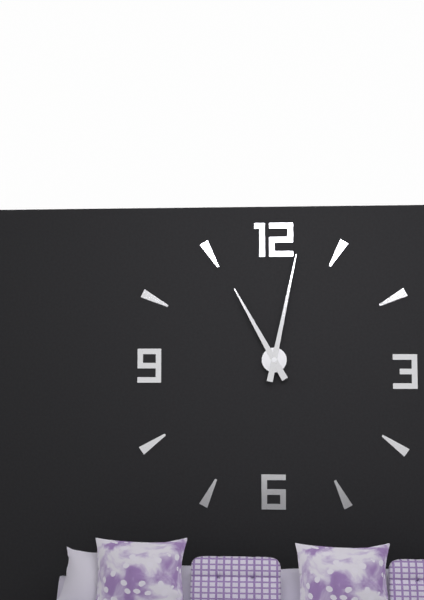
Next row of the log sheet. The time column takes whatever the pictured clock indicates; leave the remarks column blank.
11:02
